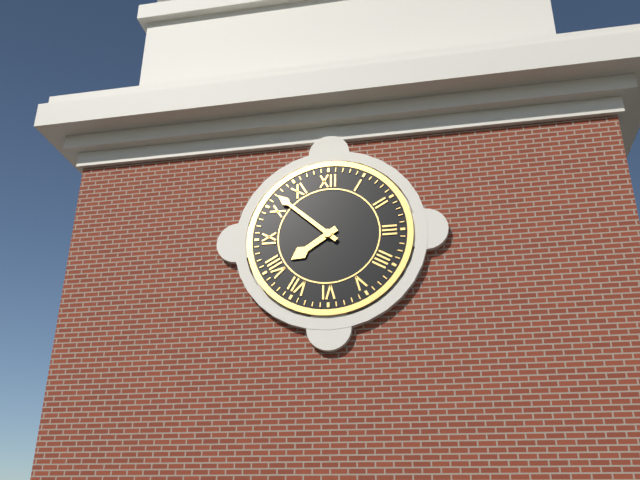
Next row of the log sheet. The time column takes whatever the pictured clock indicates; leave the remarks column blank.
7:52
